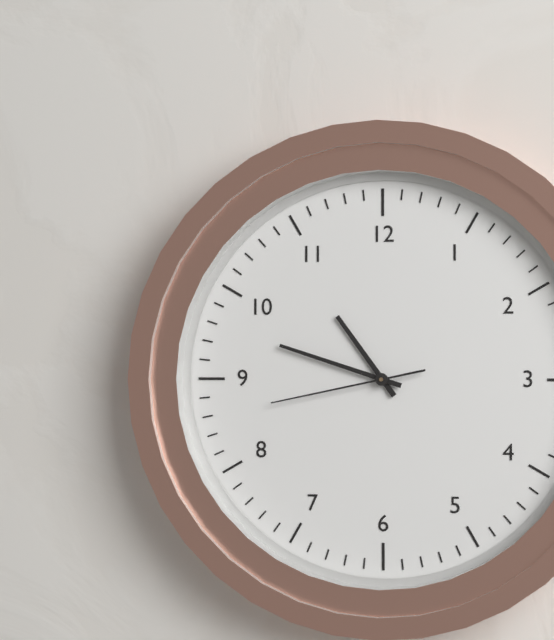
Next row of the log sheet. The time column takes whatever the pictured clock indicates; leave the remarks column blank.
10:48:43
